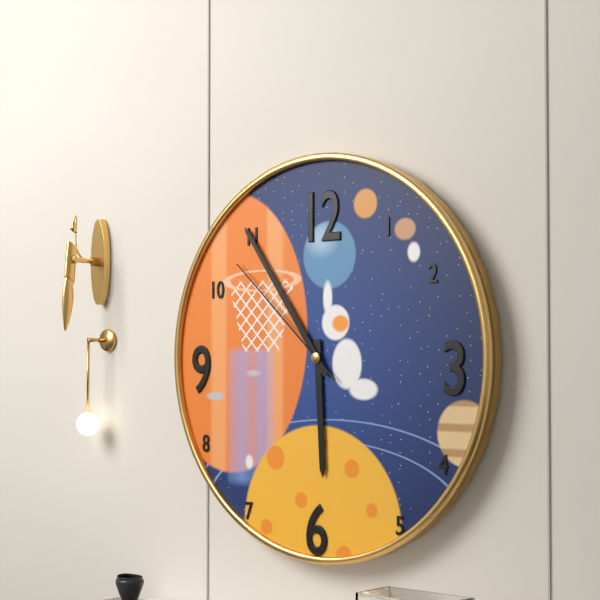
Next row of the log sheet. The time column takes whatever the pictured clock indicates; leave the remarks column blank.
5:54:52
